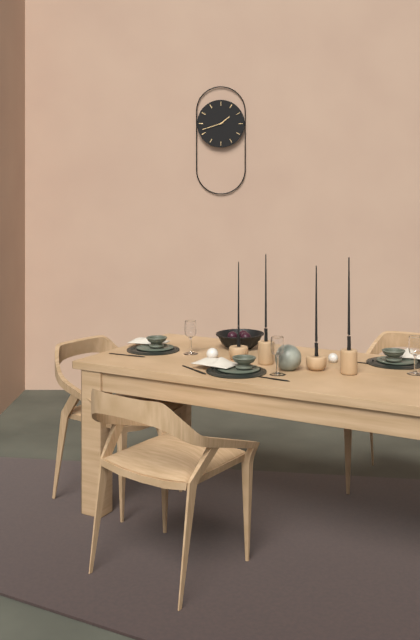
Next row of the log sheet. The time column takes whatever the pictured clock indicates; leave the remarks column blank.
1:42
